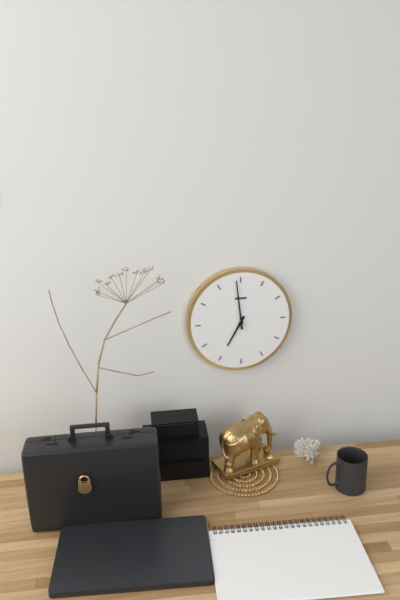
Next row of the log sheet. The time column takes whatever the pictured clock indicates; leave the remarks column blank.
6:59
